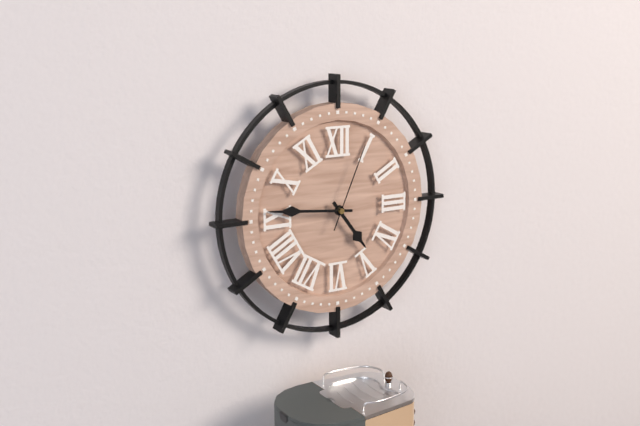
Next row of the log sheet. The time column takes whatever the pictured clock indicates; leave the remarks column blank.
4:46:04
